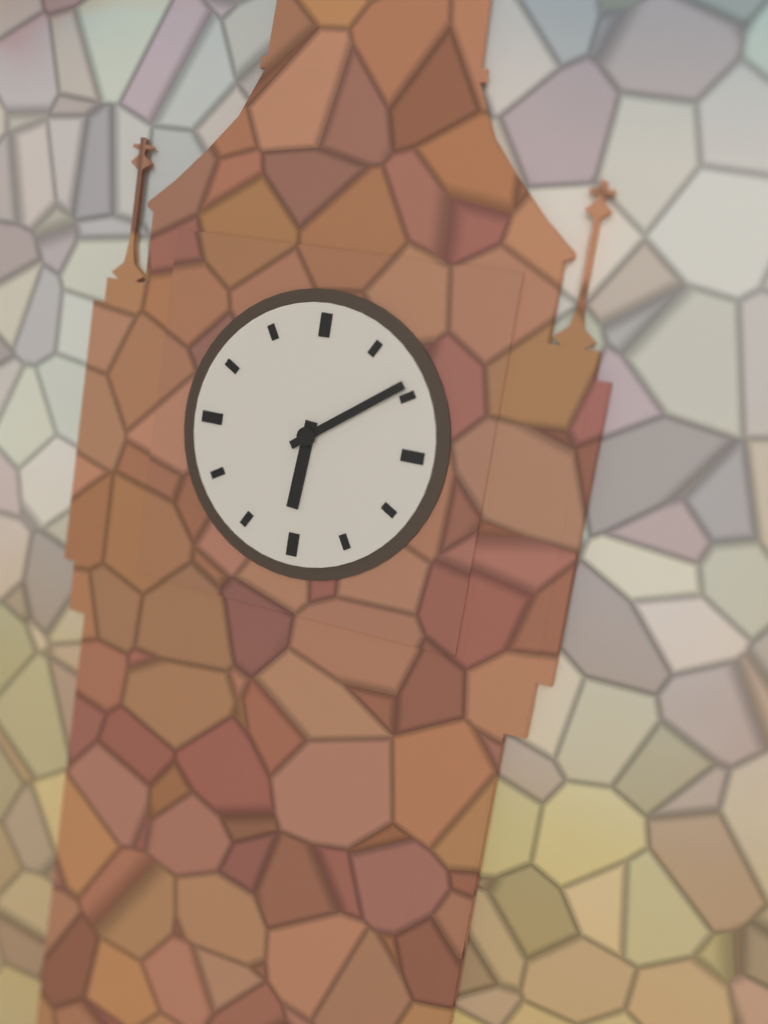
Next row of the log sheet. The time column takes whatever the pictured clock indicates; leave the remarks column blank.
6:09
